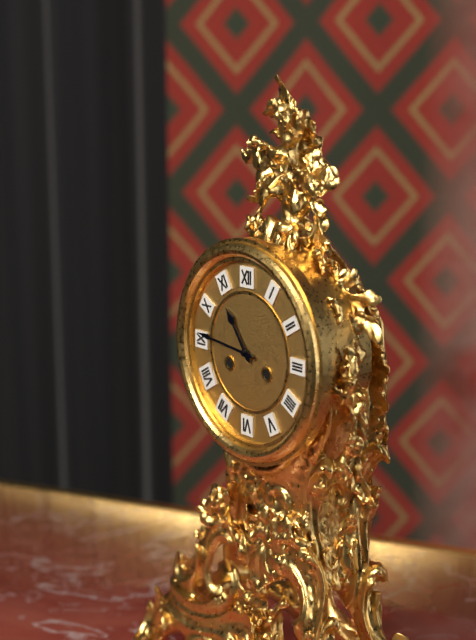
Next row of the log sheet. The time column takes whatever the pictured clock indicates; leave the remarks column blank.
10:46
